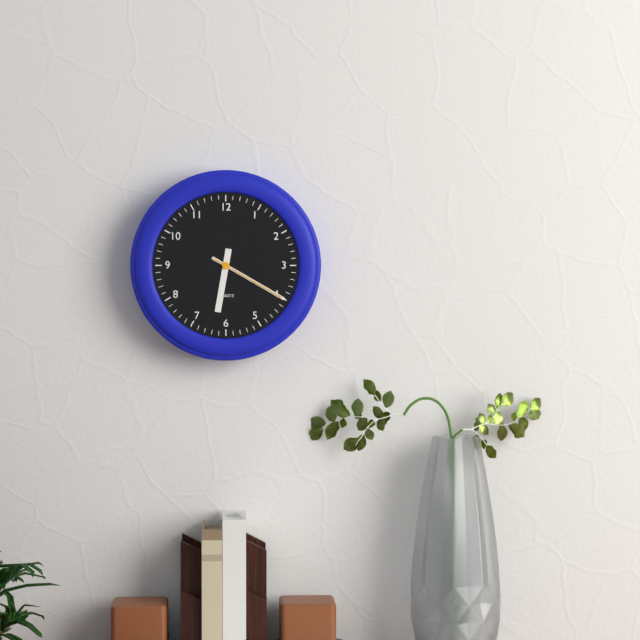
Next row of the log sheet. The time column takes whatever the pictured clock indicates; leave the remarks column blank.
6:20:20
